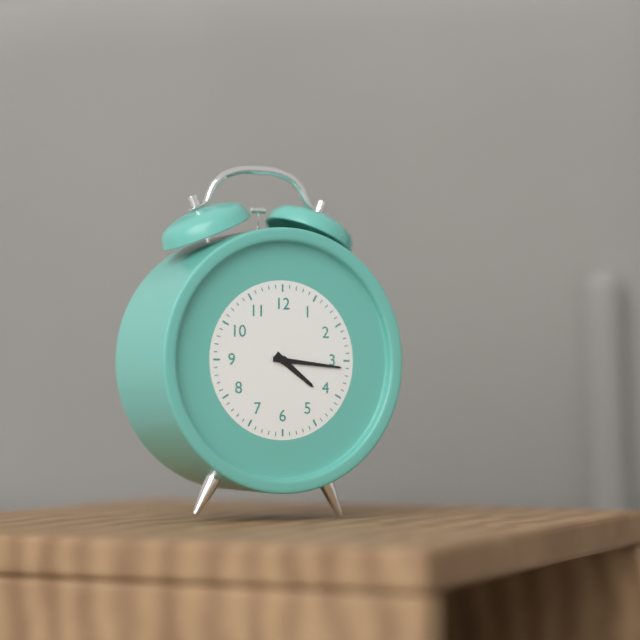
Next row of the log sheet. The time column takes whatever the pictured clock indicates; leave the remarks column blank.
4:16
